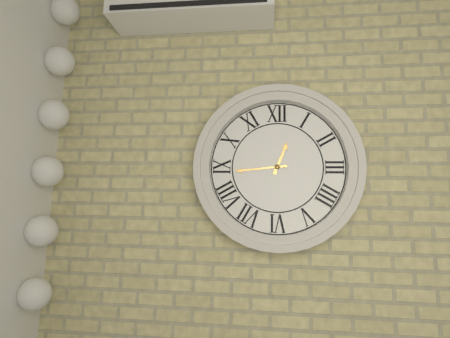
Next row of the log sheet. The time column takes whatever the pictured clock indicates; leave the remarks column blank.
12:44
